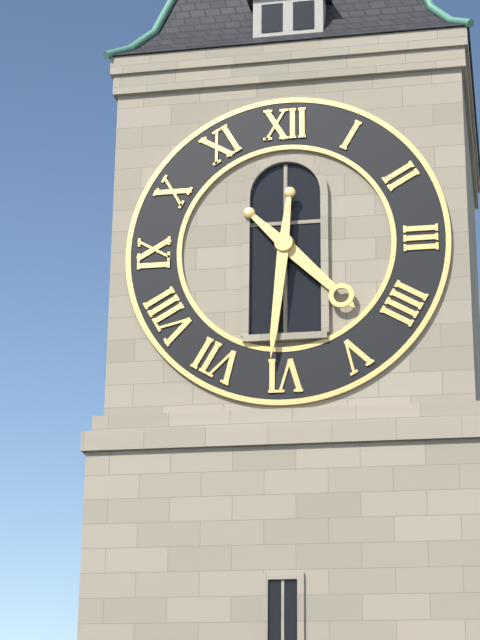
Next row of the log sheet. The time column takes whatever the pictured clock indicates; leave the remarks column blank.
4:31
